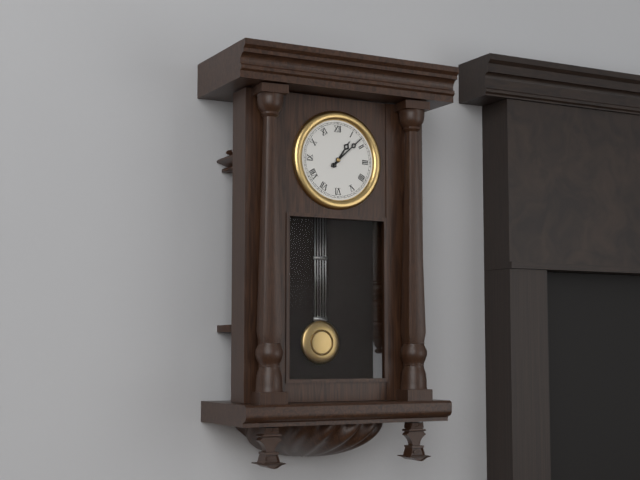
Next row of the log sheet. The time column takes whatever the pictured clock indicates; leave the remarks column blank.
1:08
